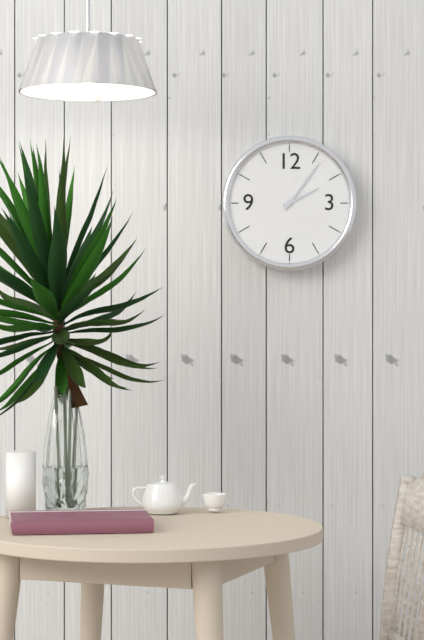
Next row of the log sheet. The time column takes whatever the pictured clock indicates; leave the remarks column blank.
2:06
